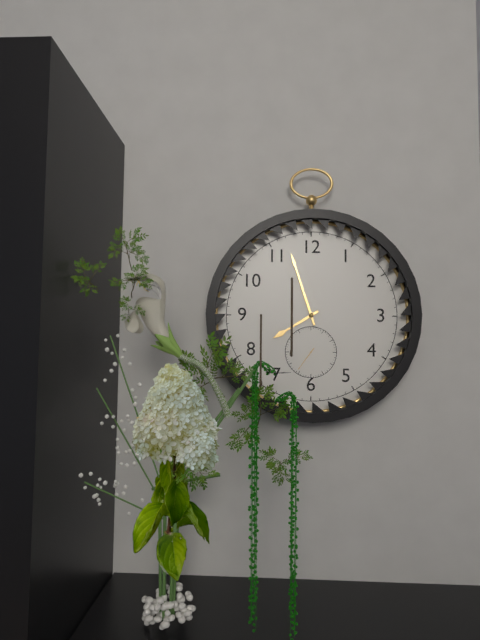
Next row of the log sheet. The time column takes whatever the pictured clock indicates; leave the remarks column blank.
7:57
